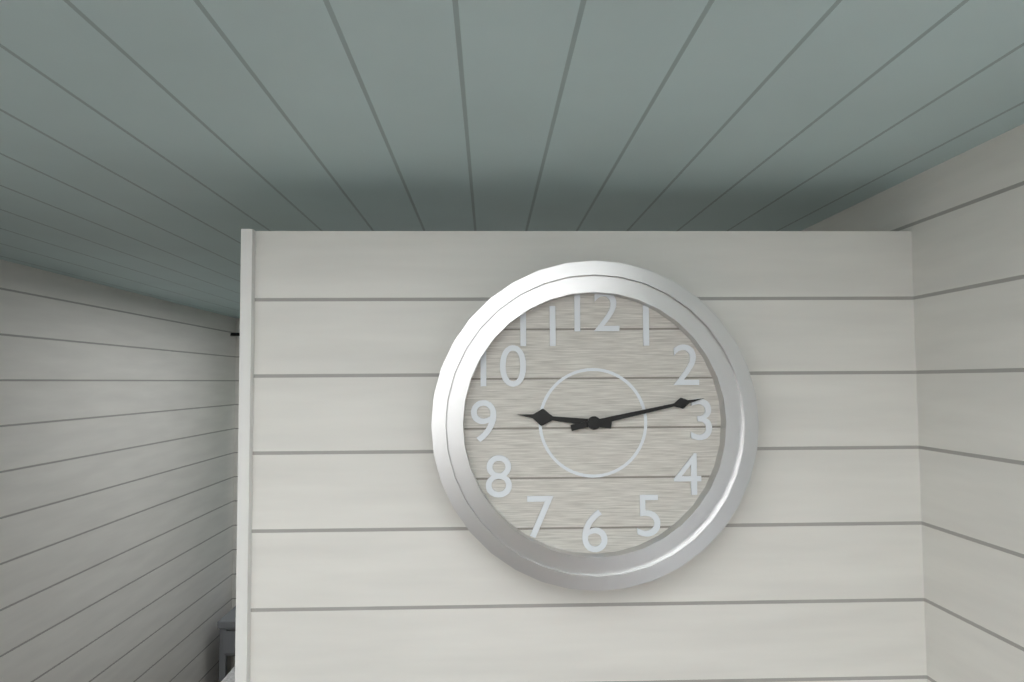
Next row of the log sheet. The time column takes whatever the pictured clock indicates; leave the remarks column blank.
9:13
